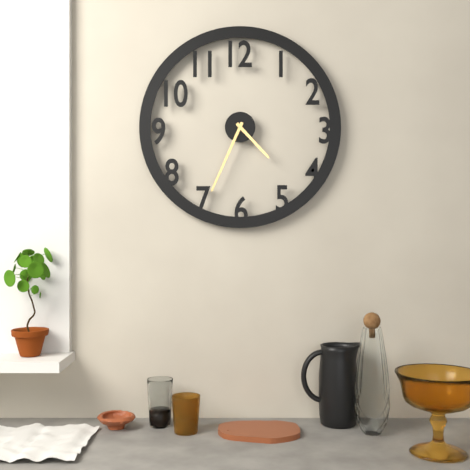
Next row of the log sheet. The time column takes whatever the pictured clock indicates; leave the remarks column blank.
4:34
